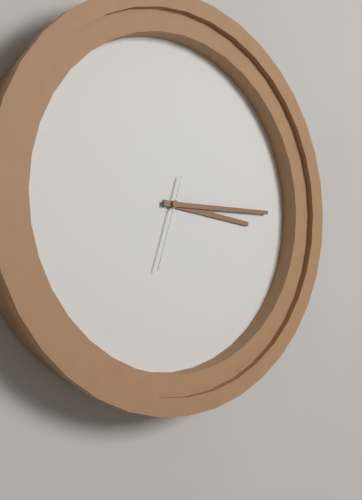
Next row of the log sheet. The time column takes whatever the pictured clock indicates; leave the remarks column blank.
3:15:33
